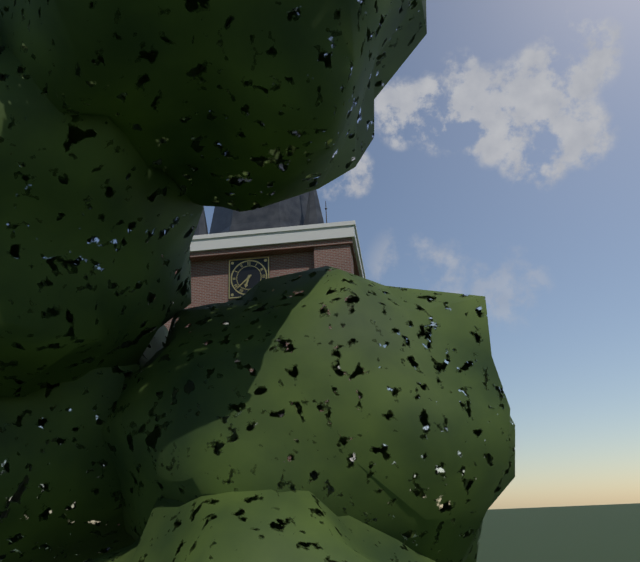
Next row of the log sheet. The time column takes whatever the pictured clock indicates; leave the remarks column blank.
6:38
